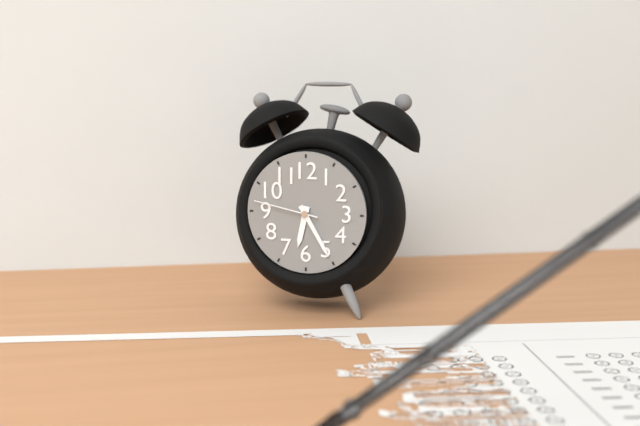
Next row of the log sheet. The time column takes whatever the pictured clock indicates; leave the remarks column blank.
6:25:47
